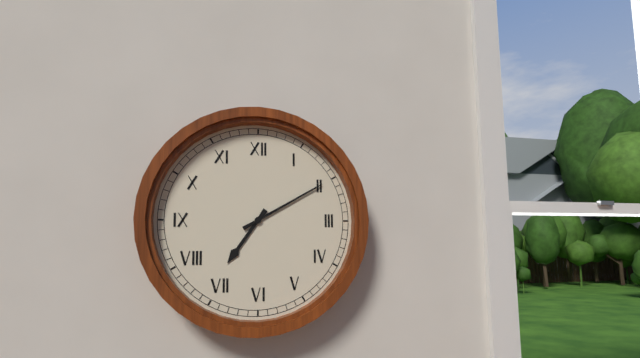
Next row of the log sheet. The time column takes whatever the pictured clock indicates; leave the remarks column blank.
7:10
